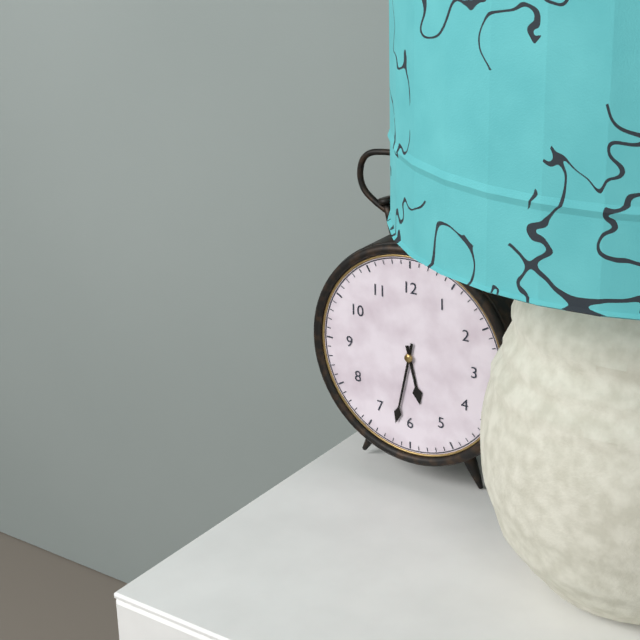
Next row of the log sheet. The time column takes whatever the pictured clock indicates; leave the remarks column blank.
5:32
